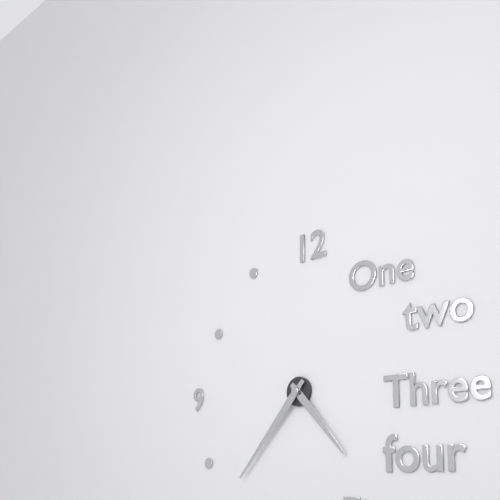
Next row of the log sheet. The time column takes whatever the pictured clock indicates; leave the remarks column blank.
4:37
